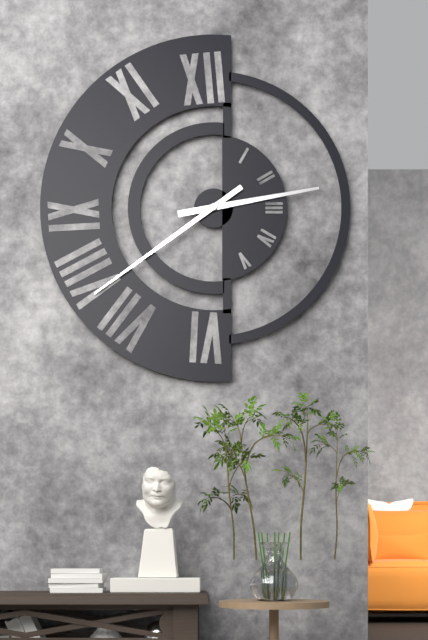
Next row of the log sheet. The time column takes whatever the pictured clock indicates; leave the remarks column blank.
2:39
